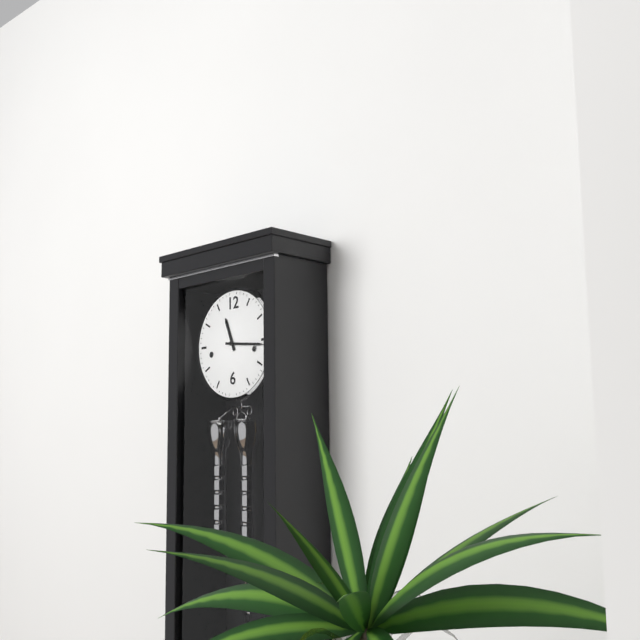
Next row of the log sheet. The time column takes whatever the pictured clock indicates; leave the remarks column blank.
11:16
